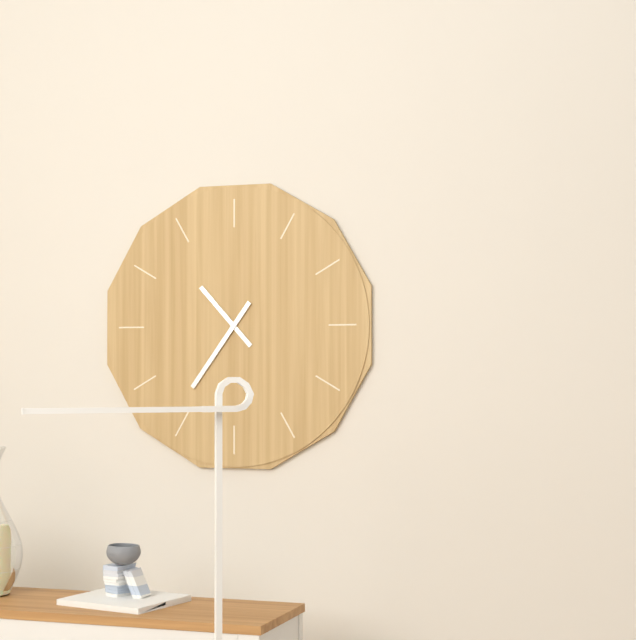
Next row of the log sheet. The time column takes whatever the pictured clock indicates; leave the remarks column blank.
10:36
